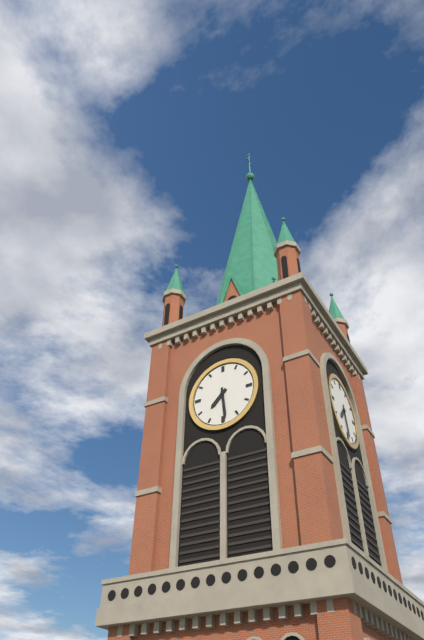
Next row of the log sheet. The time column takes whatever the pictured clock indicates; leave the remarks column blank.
7:29
